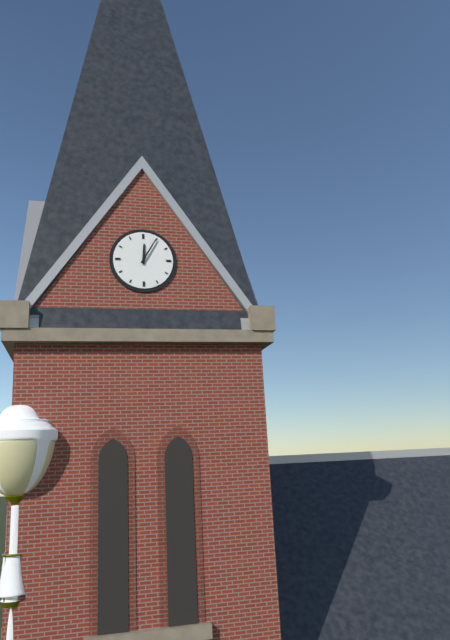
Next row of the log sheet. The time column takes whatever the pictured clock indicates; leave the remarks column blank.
12:05
